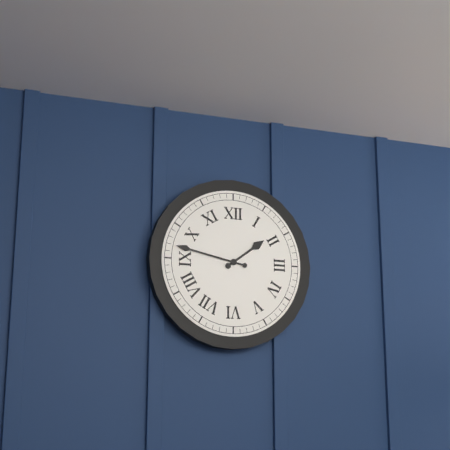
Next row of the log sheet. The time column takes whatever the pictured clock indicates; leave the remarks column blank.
1:47
